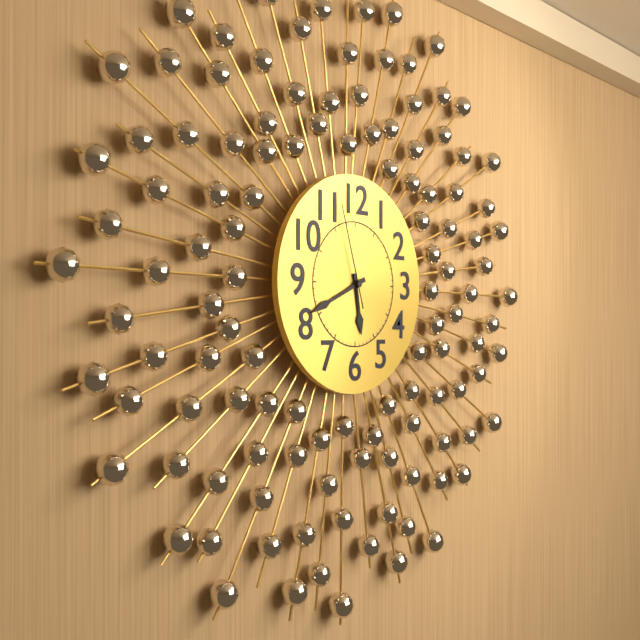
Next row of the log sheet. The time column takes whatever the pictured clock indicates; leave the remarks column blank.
5:41:57
